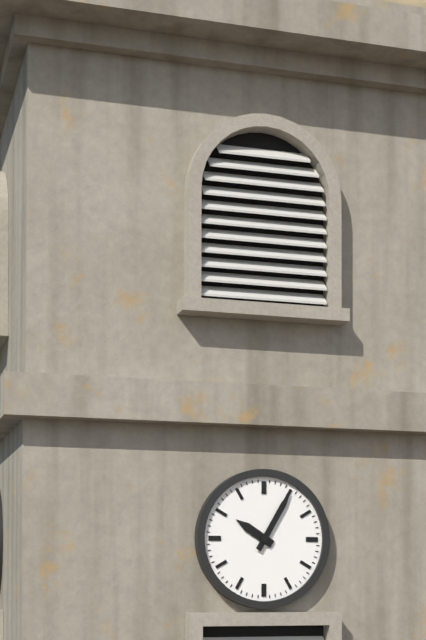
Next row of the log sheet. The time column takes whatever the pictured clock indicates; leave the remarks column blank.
10:05
